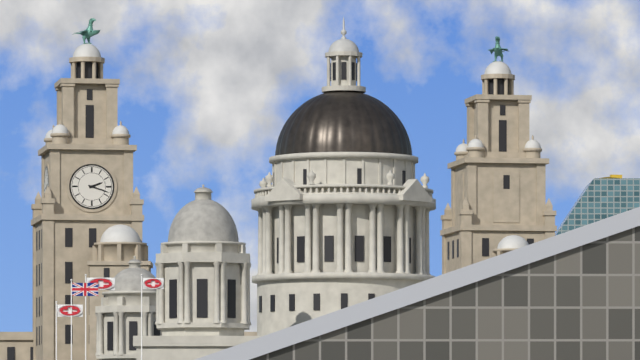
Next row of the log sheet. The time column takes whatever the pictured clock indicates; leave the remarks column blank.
2:18
